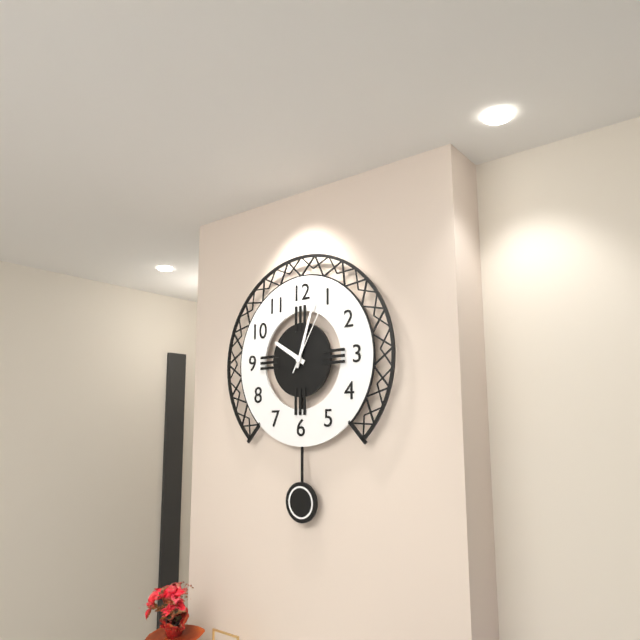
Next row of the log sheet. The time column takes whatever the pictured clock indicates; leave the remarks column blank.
10:03:05
